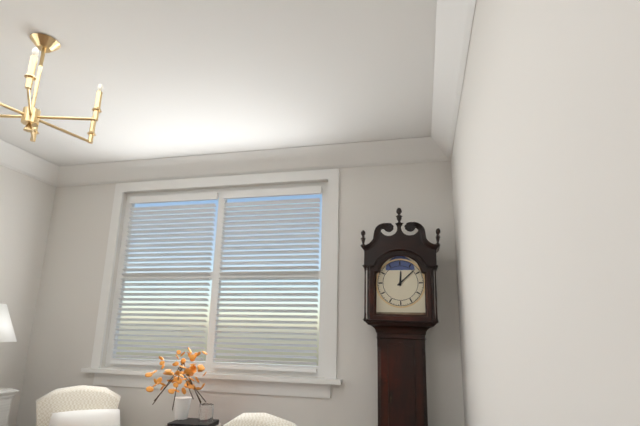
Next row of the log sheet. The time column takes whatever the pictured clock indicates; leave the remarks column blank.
12:08
